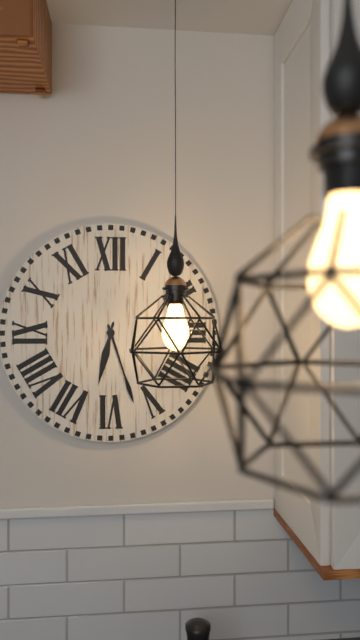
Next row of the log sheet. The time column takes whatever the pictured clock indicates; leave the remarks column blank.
6:27
